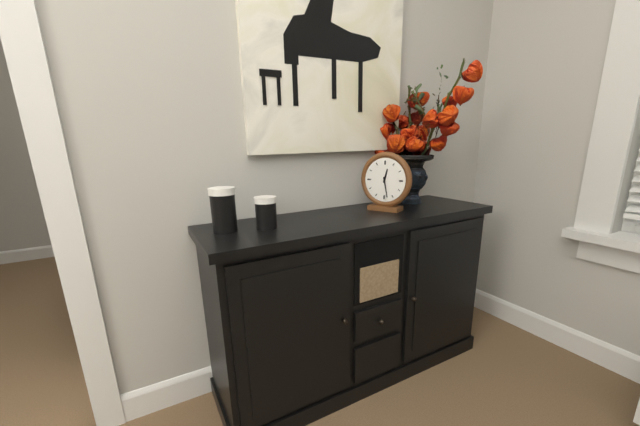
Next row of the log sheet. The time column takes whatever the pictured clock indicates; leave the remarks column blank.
12:28
